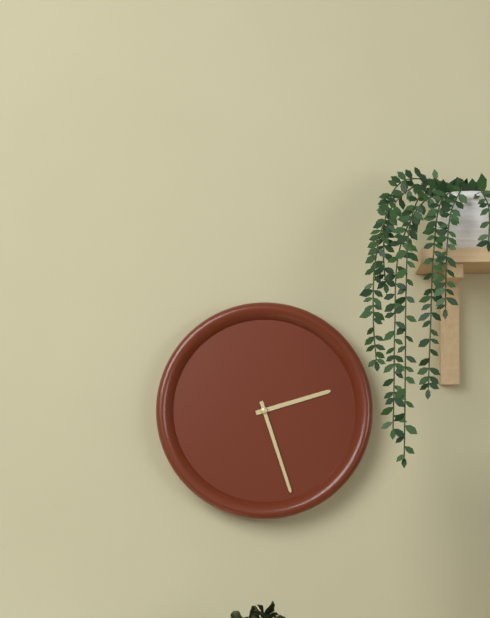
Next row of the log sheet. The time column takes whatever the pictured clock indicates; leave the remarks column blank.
2:27
